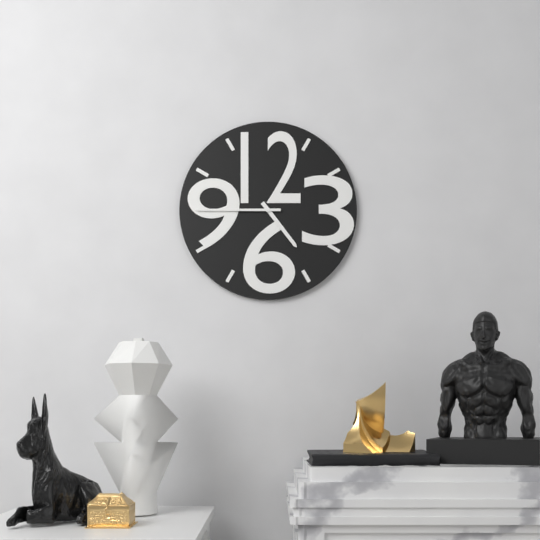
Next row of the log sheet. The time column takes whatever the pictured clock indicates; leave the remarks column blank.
4:45
